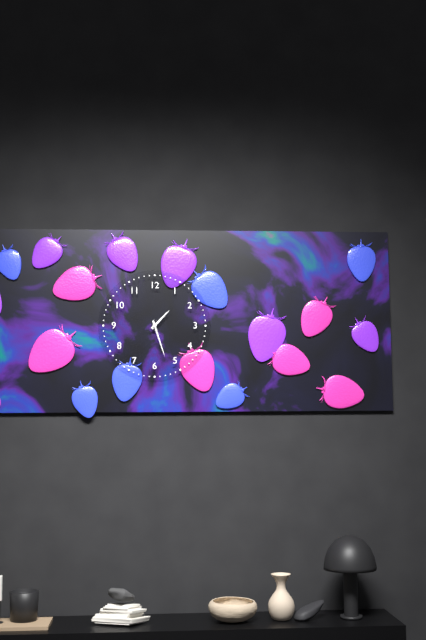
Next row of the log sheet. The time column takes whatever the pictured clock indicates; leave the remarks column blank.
1:27
